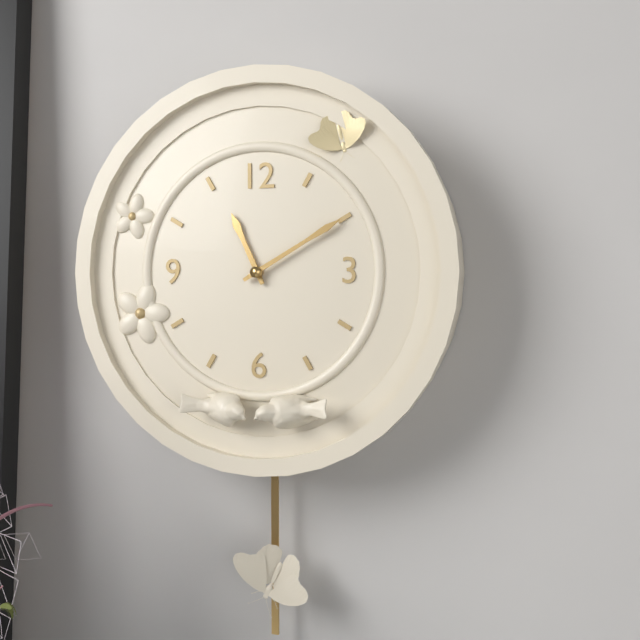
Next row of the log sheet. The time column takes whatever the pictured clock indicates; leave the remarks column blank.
11:10
